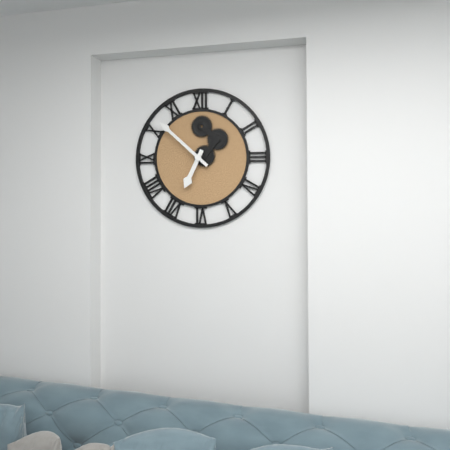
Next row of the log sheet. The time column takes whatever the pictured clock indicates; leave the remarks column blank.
6:52
